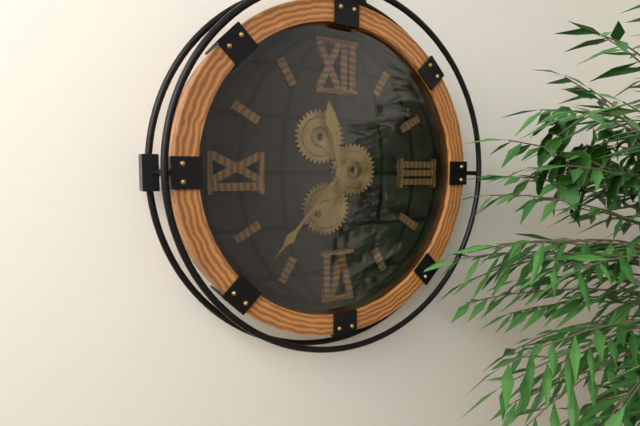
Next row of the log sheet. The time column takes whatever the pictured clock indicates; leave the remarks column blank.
11:37
